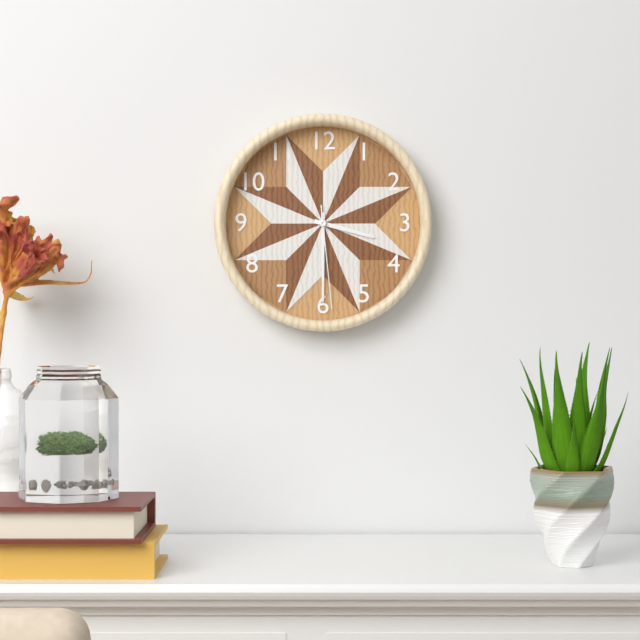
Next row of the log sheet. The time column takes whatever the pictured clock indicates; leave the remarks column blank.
3:30:29
